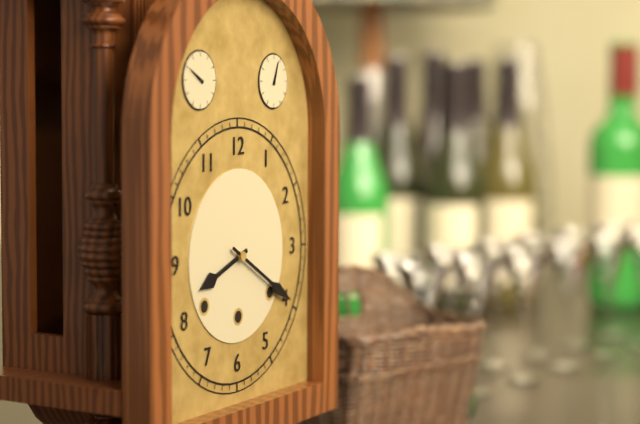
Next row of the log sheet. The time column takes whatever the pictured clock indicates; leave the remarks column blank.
8:20
